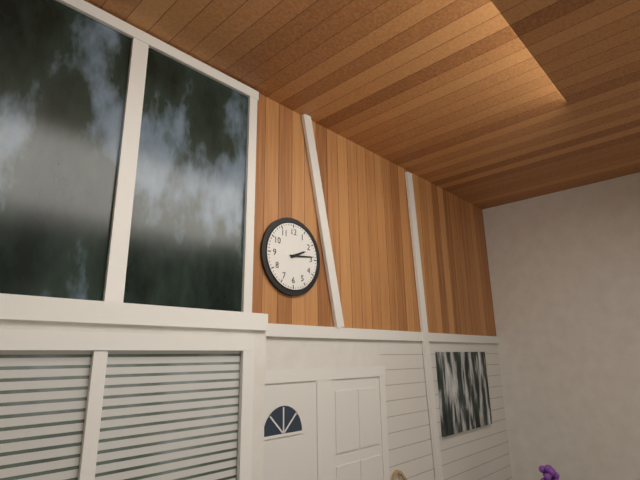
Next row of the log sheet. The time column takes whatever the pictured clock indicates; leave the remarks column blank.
2:14
